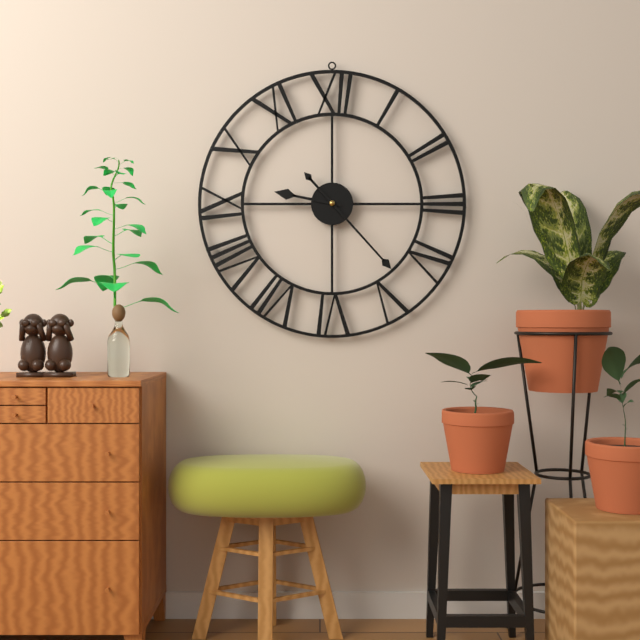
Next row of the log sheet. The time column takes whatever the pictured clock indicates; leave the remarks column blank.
9:23
